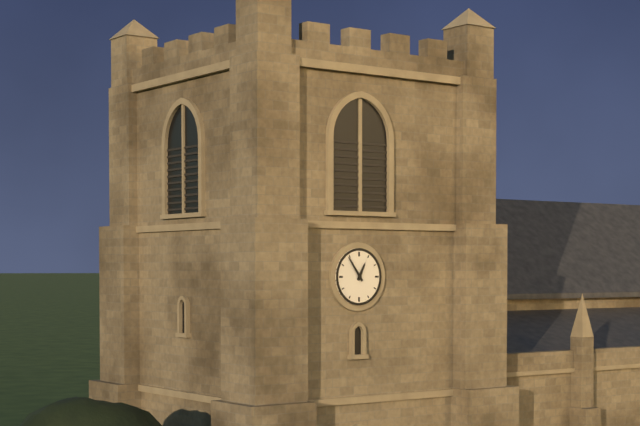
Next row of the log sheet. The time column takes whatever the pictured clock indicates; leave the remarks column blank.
12:54
